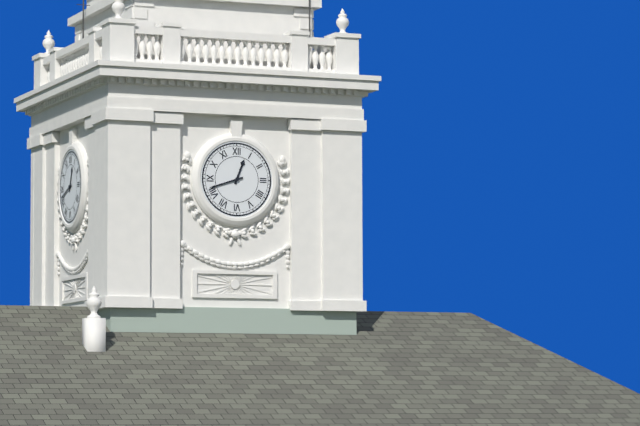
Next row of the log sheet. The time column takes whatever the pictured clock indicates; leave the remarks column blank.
12:42
